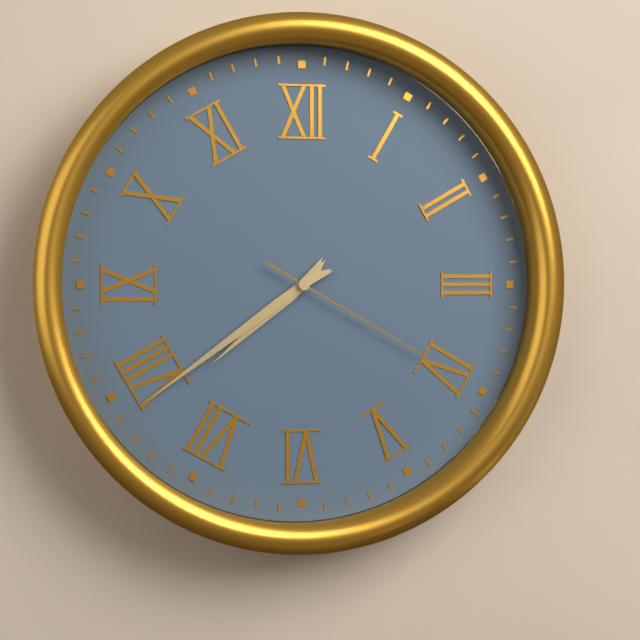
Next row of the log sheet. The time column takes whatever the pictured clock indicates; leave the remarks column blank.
7:39:20
